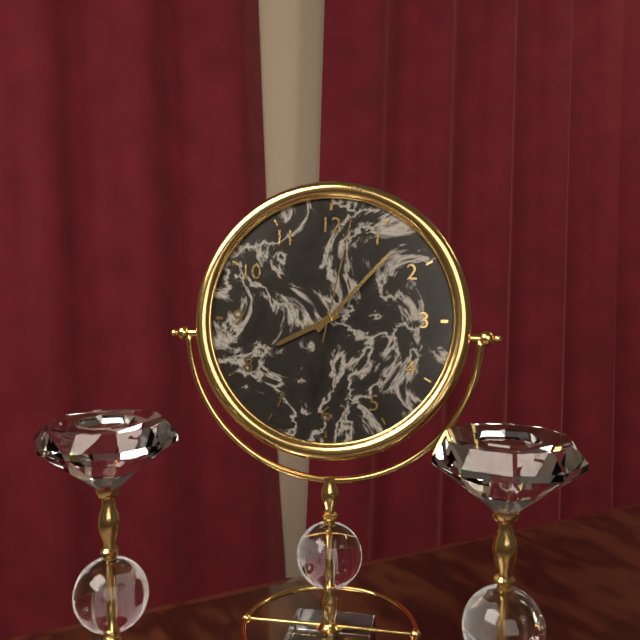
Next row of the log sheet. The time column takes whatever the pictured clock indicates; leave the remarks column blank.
8:07:02
